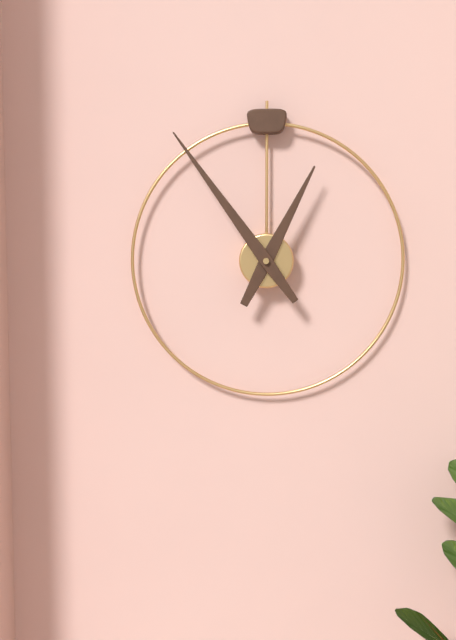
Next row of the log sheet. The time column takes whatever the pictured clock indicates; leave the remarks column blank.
12:54
